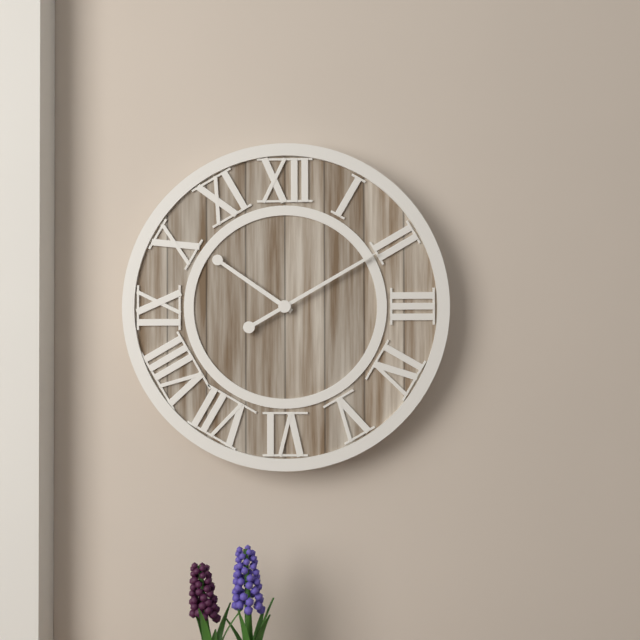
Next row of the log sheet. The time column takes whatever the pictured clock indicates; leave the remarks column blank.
10:10
